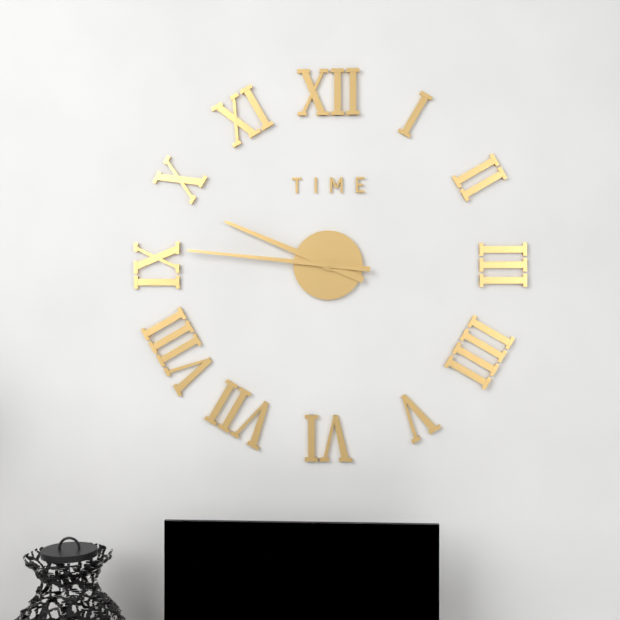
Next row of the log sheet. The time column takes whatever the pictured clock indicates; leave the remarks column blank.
9:46
